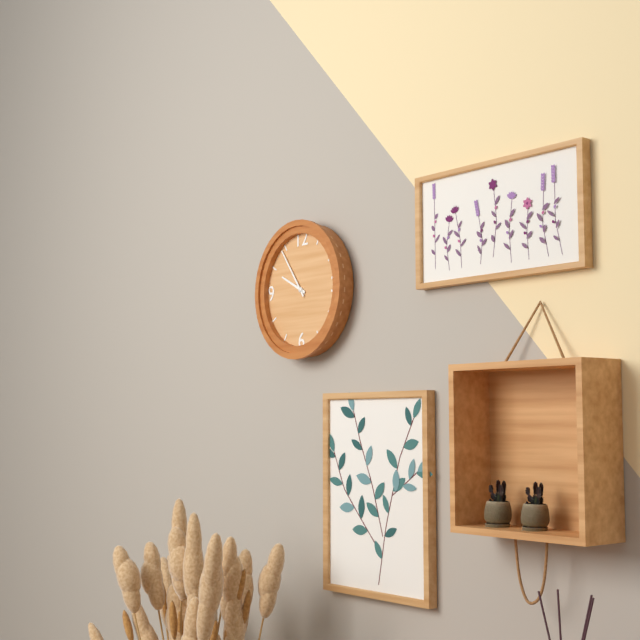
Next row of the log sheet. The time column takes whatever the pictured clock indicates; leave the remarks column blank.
9:54
